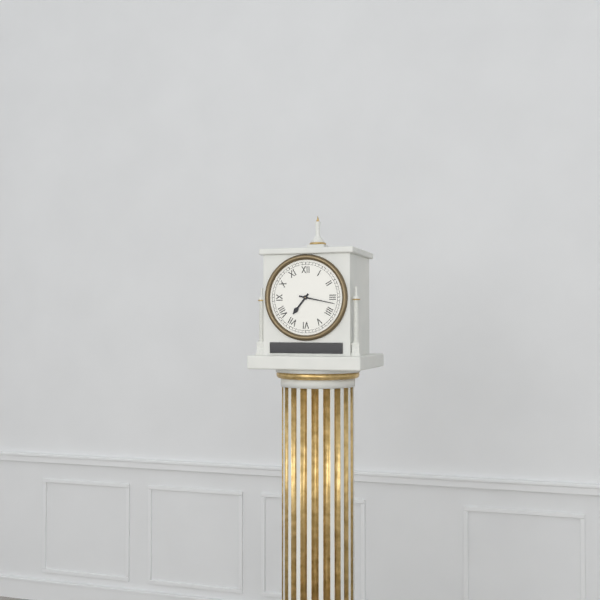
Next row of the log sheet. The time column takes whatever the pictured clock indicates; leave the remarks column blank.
7:17
